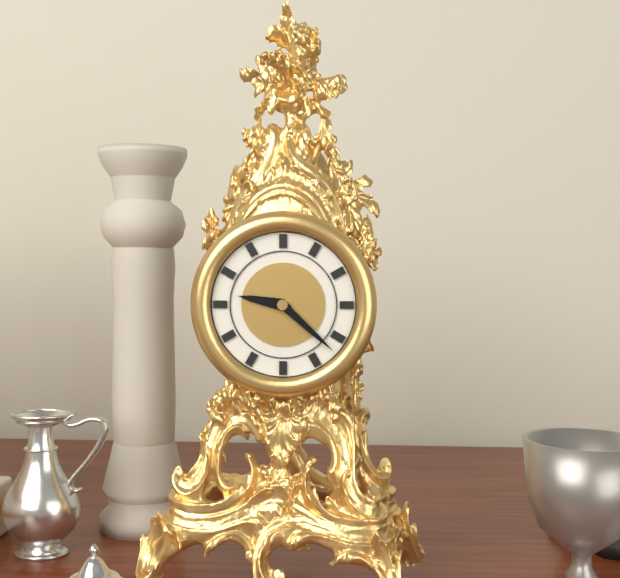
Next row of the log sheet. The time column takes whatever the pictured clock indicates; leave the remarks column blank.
9:22
